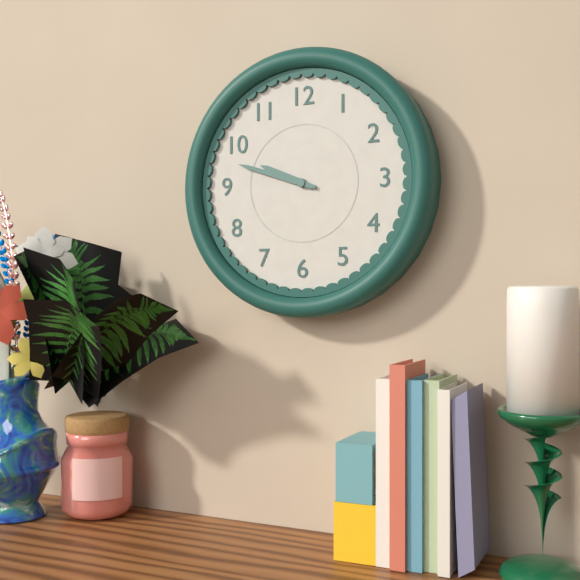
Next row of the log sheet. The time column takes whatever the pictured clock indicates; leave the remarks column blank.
9:48
